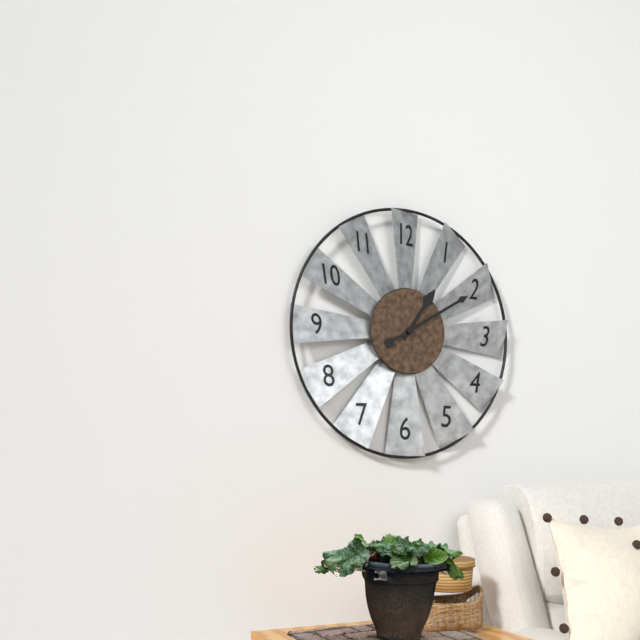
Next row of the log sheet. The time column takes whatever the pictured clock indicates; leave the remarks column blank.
1:10
